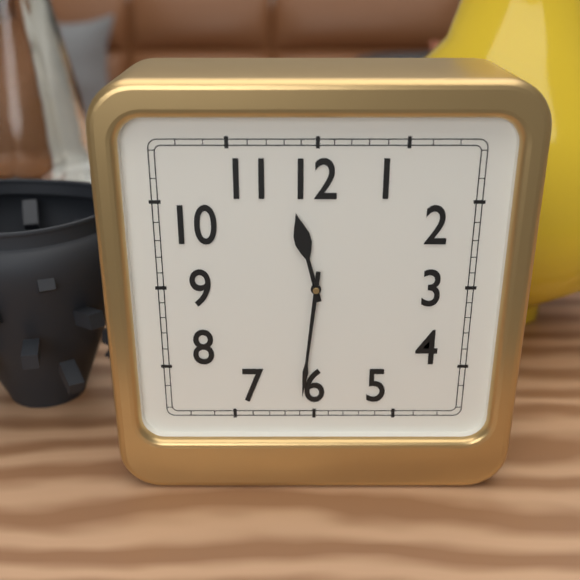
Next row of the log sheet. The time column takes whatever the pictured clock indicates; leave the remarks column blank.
11:31
